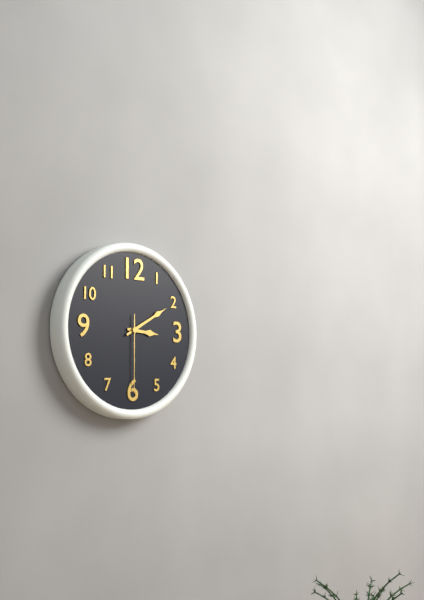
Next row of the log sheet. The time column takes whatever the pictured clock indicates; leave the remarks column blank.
3:10:30
